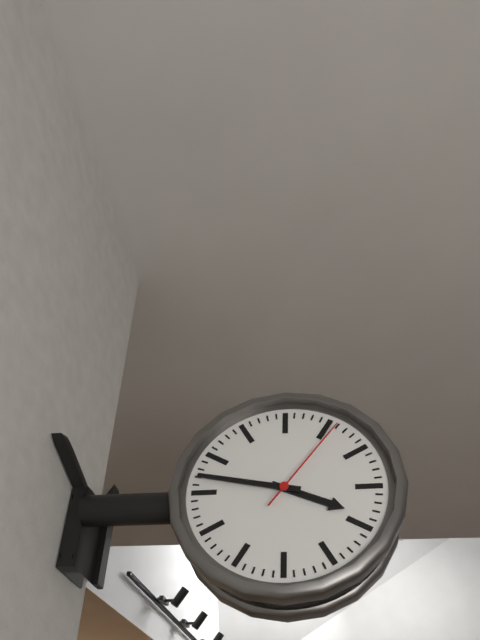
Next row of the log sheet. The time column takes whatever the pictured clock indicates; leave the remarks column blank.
3:47:06
